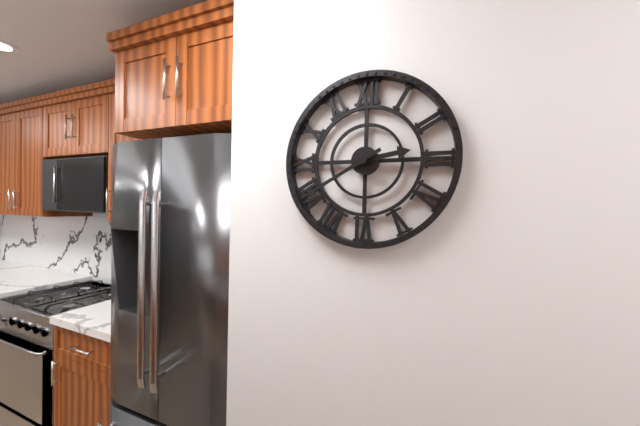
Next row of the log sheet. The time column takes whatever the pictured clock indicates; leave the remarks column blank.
2:40
